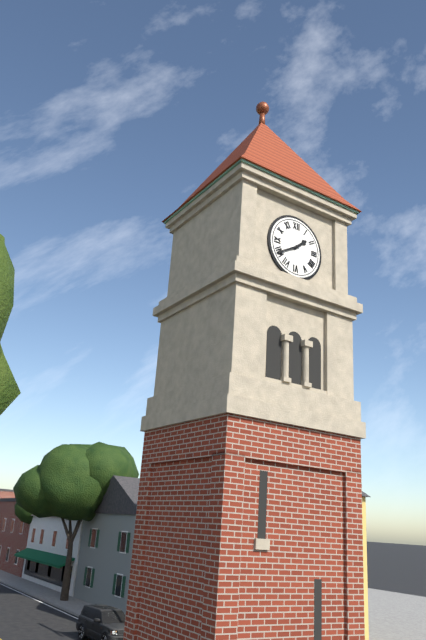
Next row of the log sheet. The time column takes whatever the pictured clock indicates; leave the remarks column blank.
1:40
